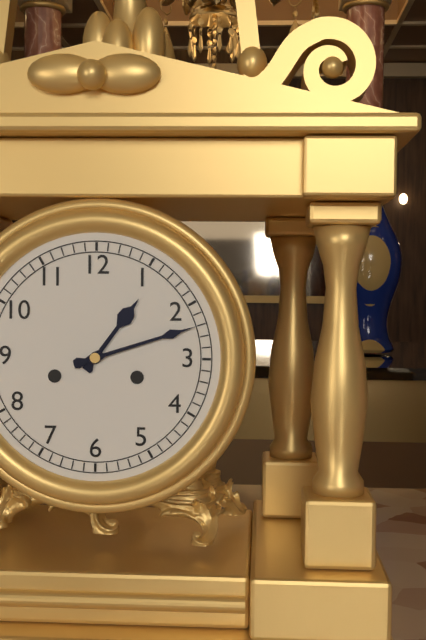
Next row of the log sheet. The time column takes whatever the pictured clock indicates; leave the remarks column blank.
1:12
